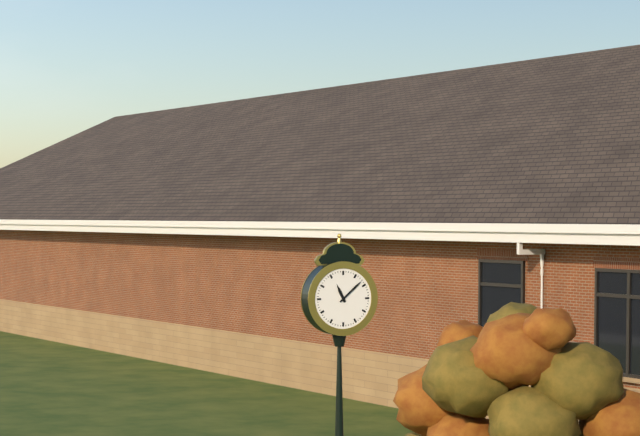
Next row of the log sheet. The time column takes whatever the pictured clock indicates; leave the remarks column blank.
11:08
